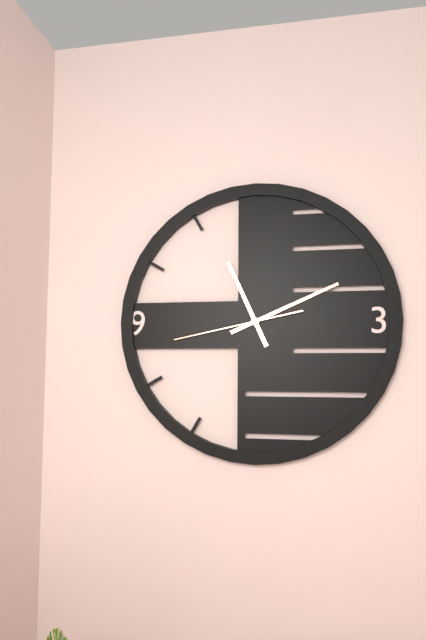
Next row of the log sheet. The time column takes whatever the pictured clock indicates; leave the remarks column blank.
11:11:43
